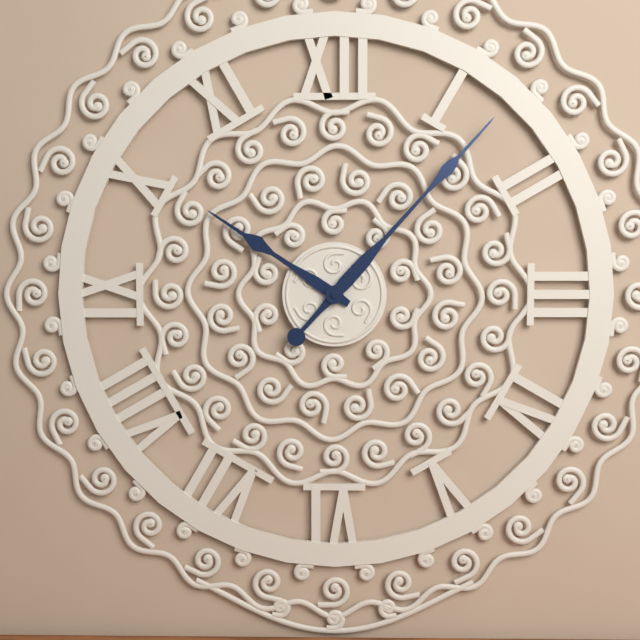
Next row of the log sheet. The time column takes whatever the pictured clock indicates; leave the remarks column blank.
10:07
